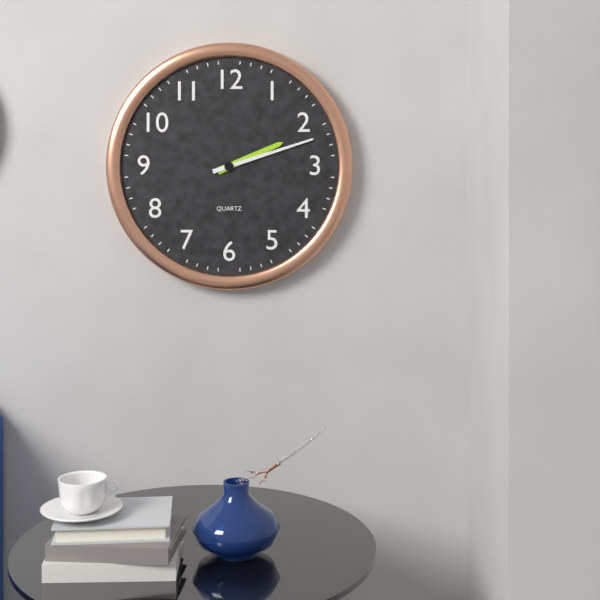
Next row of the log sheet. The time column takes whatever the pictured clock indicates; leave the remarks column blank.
2:12
